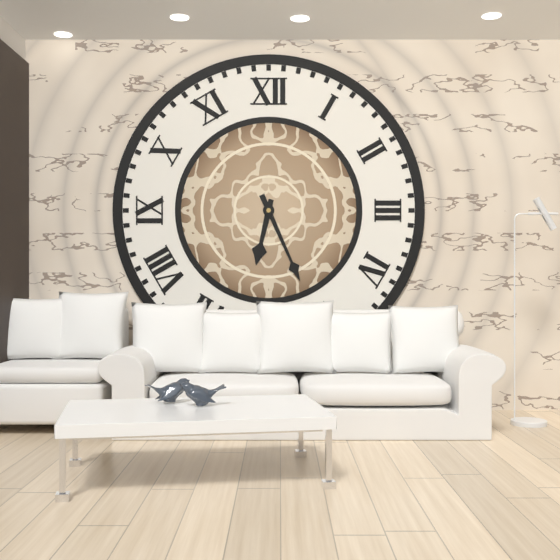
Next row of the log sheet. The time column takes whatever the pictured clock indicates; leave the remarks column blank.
6:26
